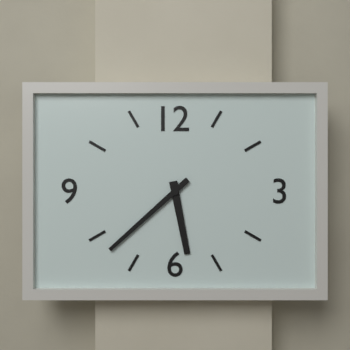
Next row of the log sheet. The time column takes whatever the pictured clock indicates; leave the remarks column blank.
5:38
